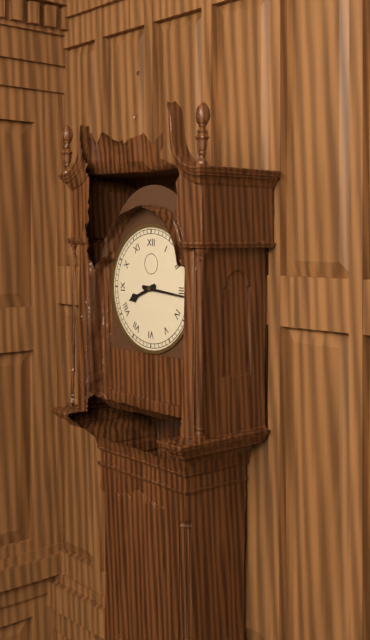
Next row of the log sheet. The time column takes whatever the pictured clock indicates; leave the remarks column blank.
8:16
